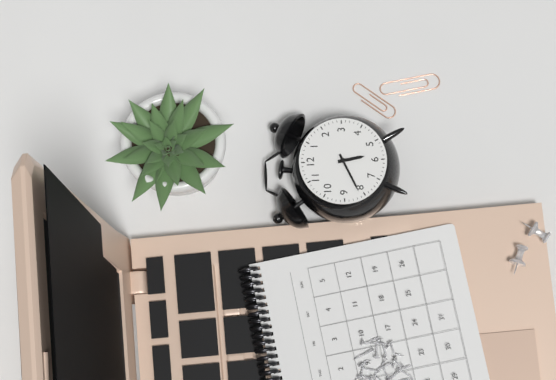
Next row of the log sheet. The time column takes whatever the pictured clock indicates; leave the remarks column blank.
5:41
